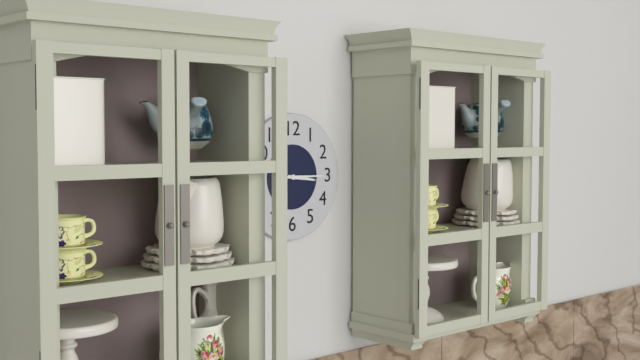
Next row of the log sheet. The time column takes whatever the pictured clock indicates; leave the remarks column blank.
3:15
